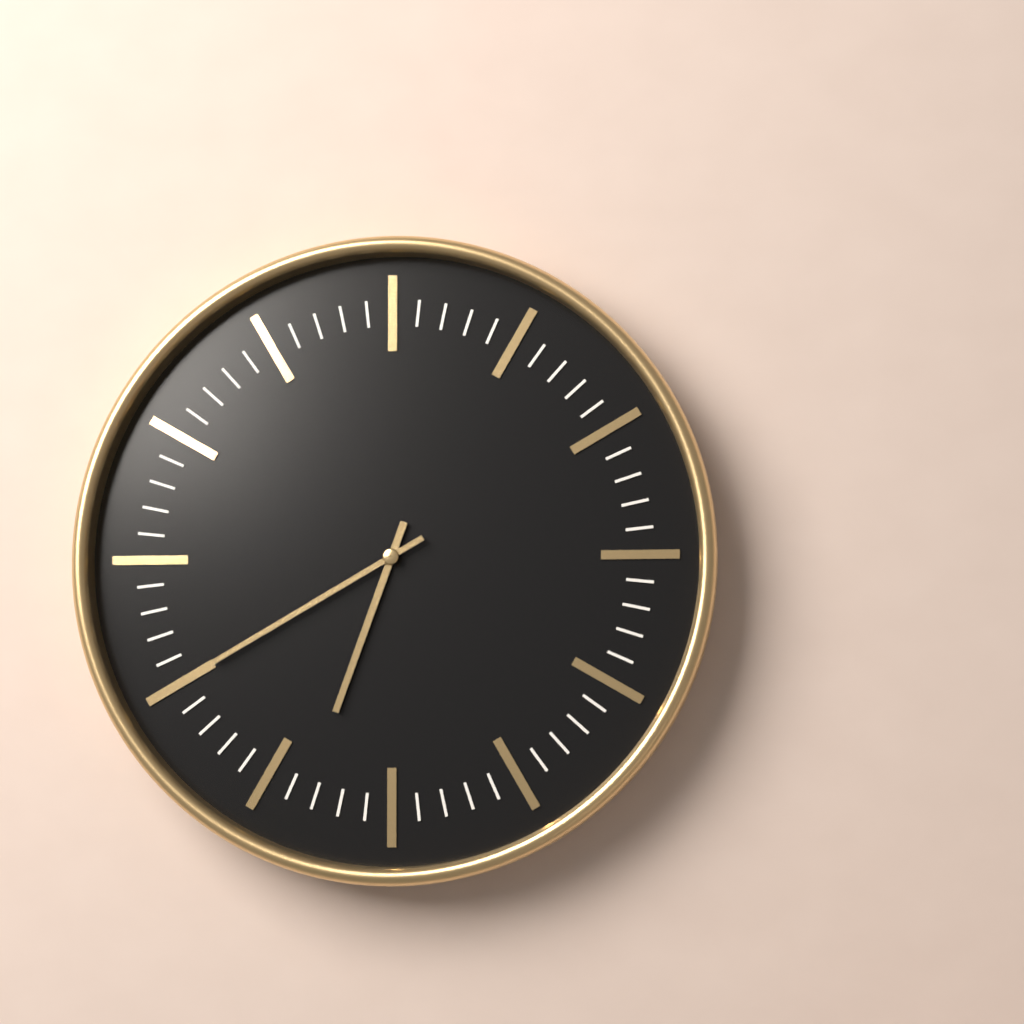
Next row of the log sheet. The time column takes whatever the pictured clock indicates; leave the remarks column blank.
6:40
